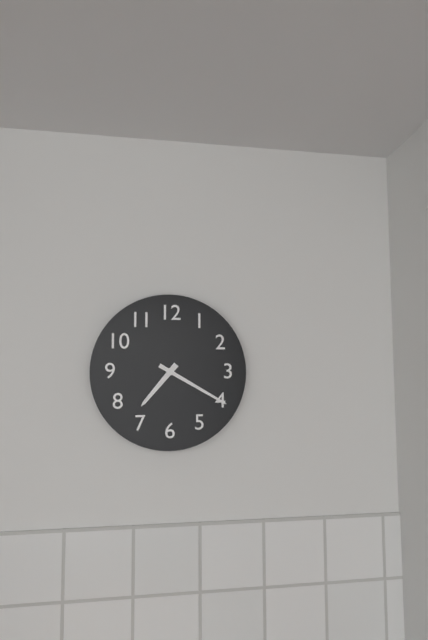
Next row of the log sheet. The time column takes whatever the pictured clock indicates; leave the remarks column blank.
7:20
